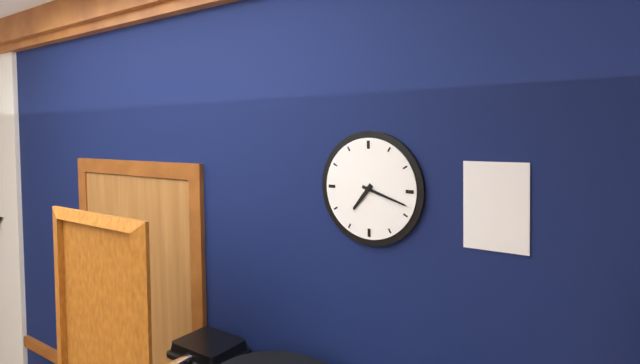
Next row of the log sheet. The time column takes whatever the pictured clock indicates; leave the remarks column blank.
7:18
